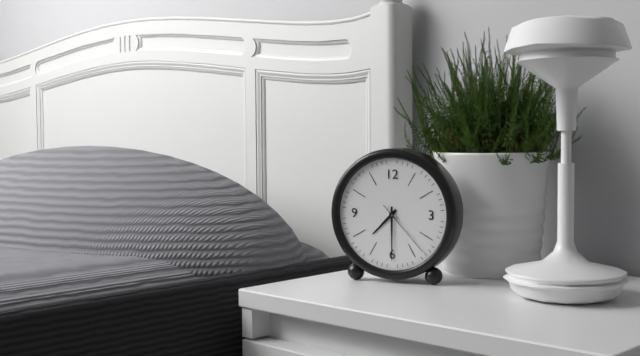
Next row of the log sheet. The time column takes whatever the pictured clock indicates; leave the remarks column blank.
7:30:23
